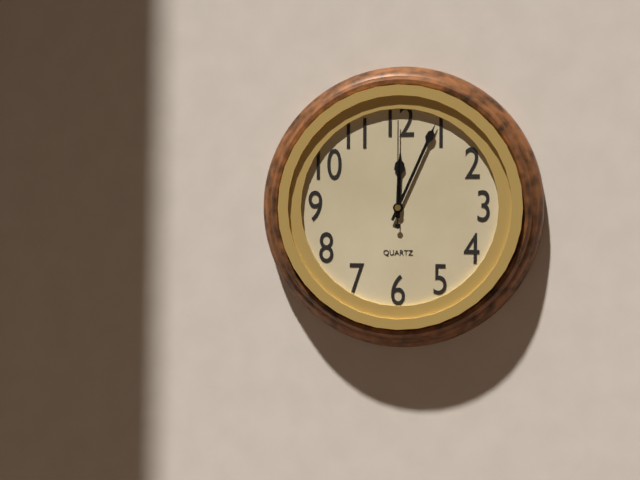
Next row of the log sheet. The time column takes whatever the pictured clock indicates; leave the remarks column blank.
12:04:00
